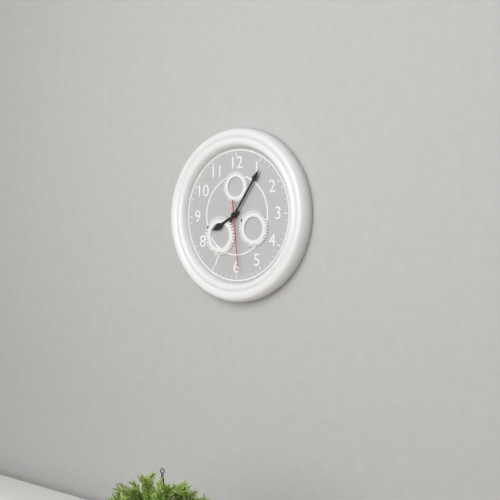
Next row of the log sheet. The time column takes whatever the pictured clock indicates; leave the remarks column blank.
8:06:29
